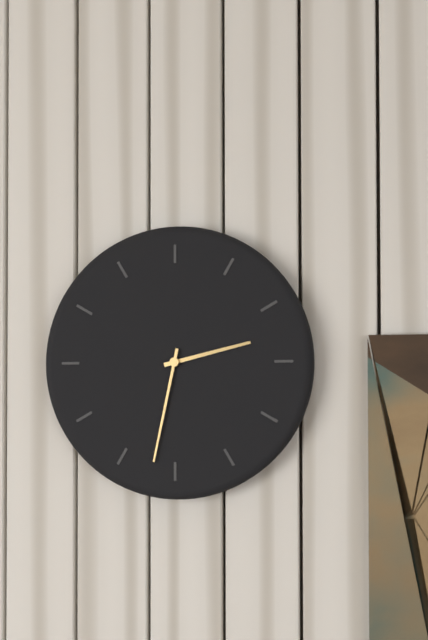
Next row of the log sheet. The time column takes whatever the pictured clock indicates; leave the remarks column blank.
2:32
